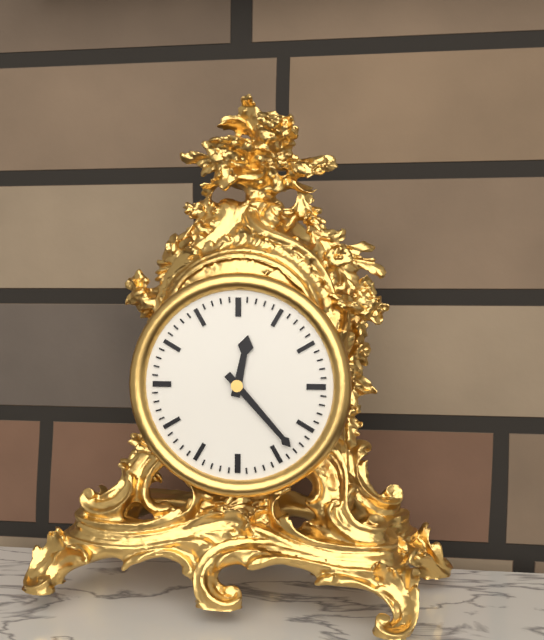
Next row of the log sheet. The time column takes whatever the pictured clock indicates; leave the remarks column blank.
12:23
